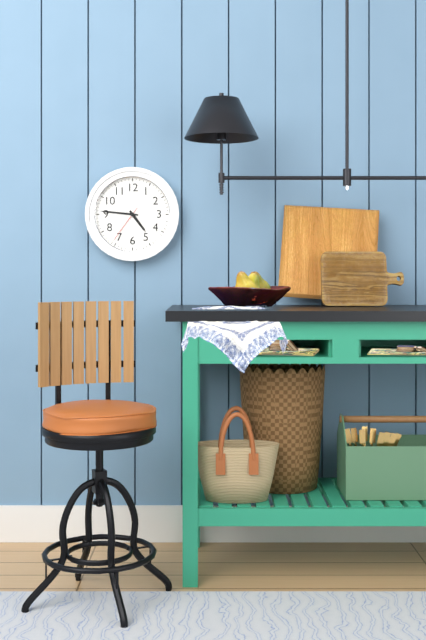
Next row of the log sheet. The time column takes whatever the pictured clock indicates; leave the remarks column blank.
4:46
